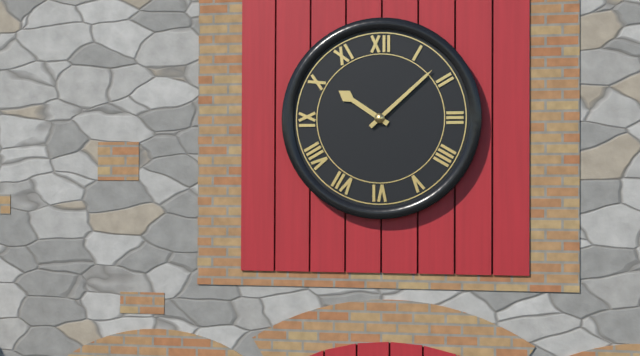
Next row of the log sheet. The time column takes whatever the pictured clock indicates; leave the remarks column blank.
10:08
